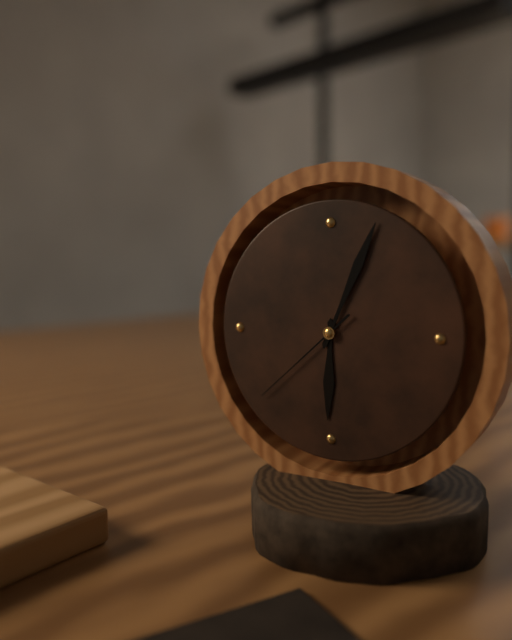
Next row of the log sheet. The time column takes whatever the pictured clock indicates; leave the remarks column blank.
6:04:38
